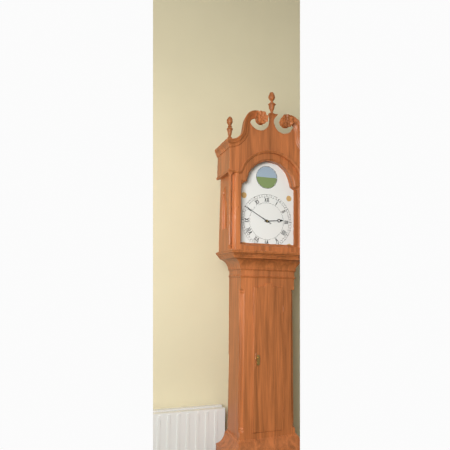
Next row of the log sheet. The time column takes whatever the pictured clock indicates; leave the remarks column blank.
2:50
